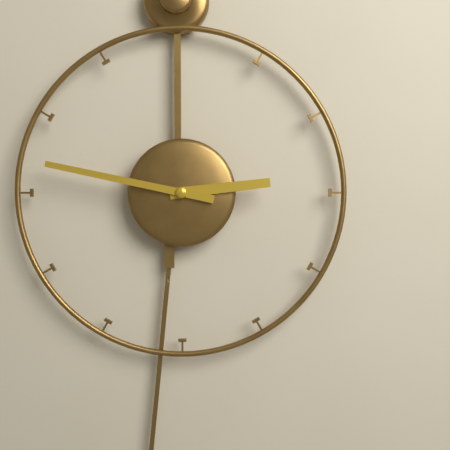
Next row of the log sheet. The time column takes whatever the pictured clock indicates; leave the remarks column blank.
2:47
